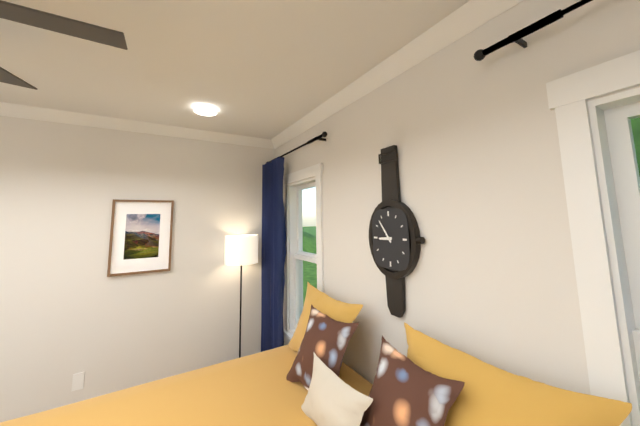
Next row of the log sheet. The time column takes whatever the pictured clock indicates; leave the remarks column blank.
8:54
